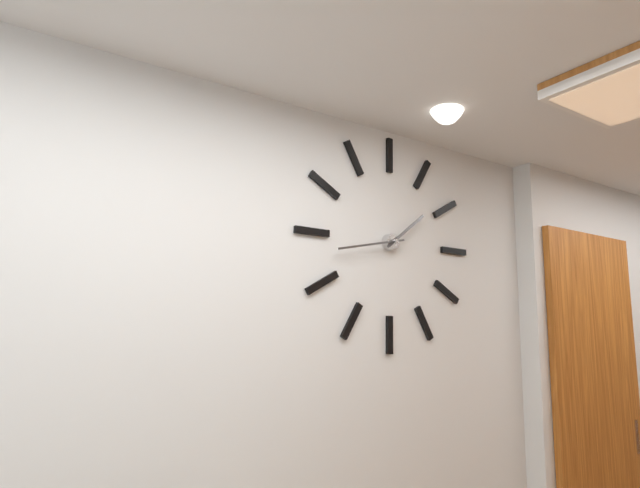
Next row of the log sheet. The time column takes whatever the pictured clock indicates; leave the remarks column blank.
1:43
